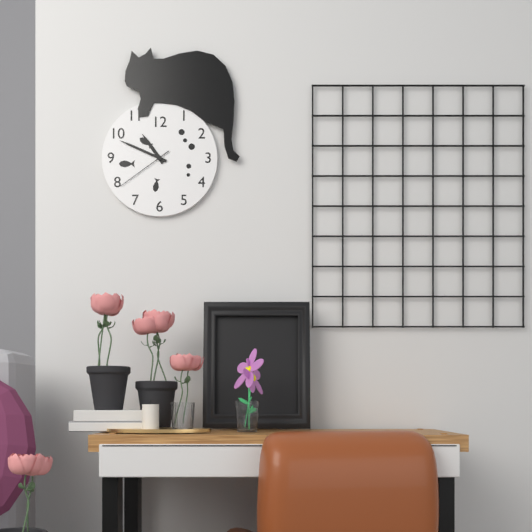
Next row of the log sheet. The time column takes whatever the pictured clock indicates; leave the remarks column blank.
10:49:39
